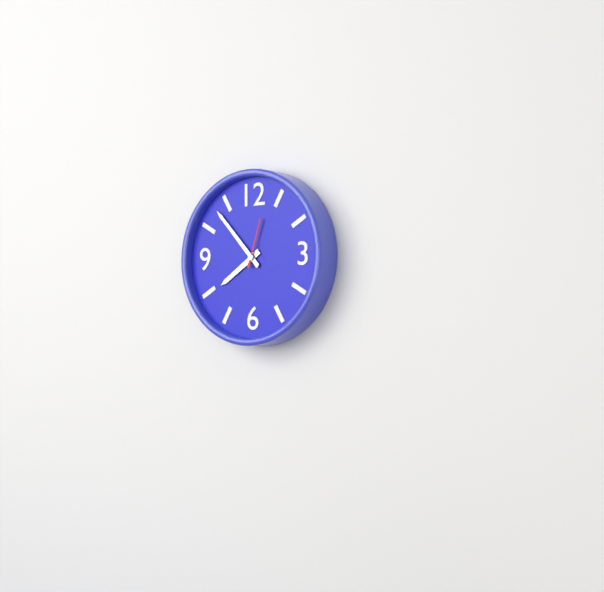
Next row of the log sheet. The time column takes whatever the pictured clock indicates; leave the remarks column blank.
7:53
